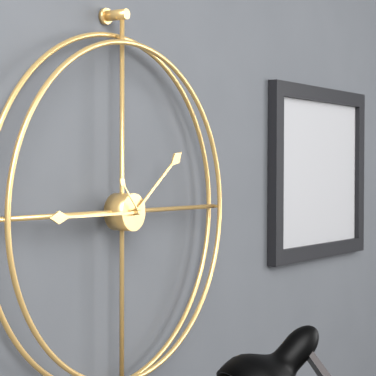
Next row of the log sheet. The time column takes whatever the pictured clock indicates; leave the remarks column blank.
1:45
